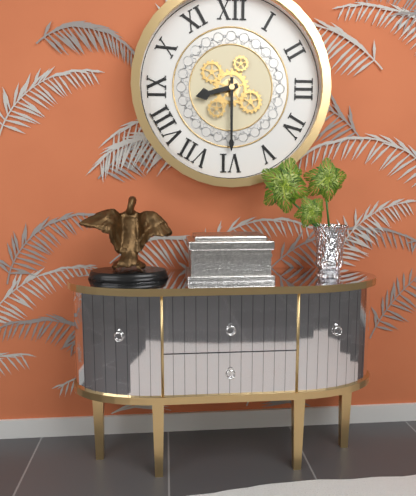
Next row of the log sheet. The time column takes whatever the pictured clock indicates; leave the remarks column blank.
8:30
